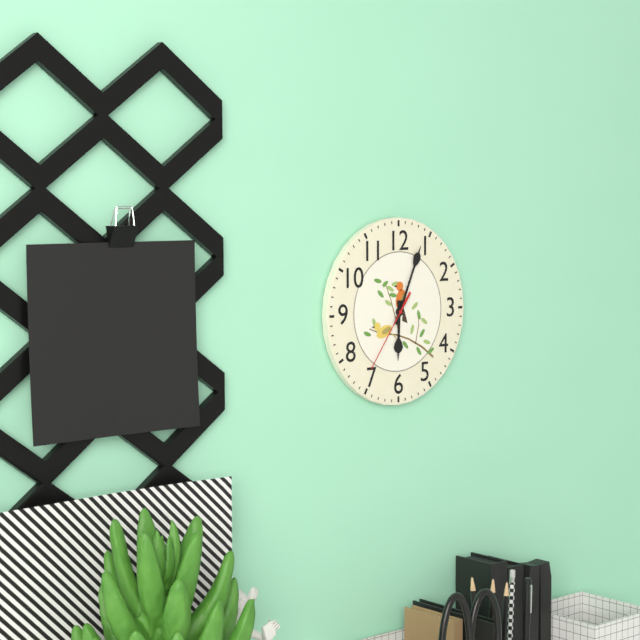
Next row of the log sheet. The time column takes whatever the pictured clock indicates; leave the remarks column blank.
6:04:36
